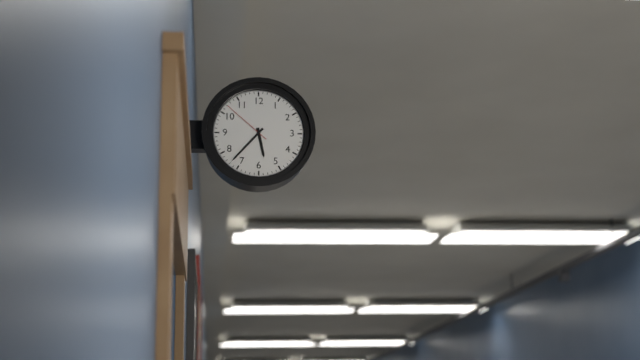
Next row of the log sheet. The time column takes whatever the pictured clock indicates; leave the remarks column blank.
5:37:52
